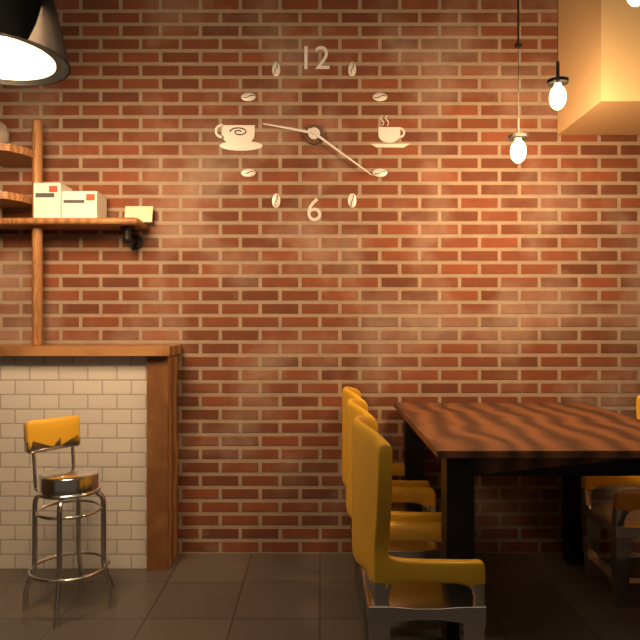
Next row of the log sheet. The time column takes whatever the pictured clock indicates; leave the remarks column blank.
9:21
